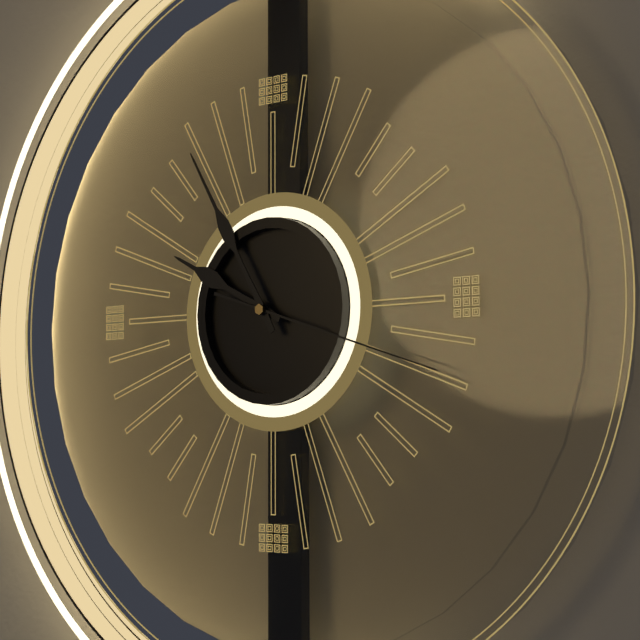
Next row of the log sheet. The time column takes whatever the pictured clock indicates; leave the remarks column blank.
9:55:18
